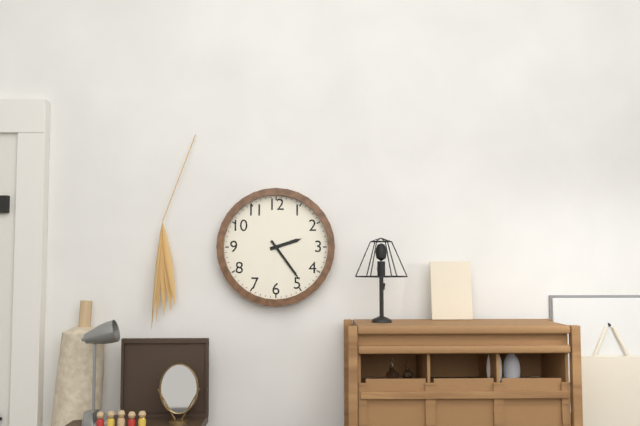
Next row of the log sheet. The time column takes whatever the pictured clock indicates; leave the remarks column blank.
2:24
